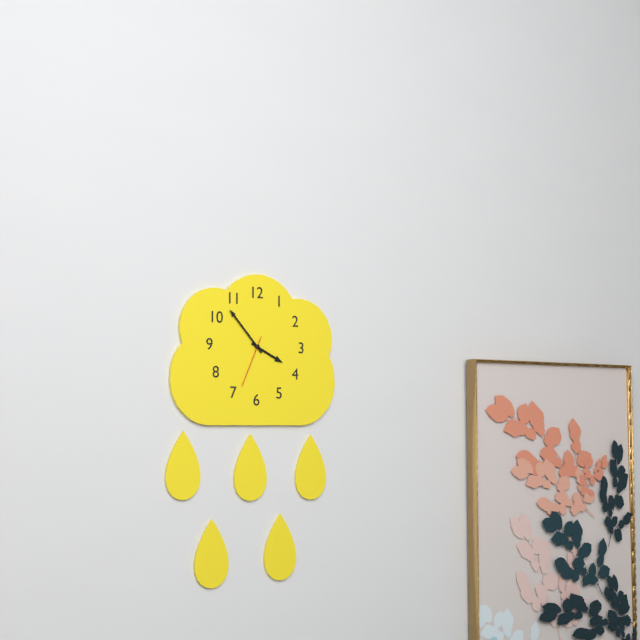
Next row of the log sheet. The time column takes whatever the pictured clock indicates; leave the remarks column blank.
3:53:34
